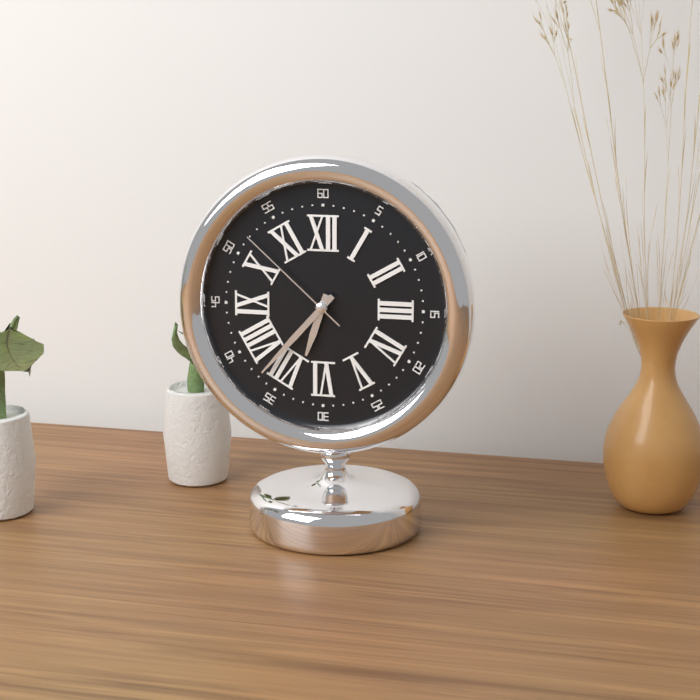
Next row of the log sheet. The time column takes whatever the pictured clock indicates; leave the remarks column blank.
6:37:52
